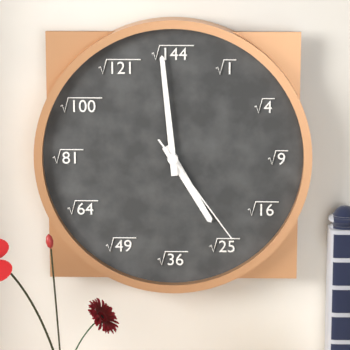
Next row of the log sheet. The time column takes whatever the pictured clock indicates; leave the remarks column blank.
4:59:24
